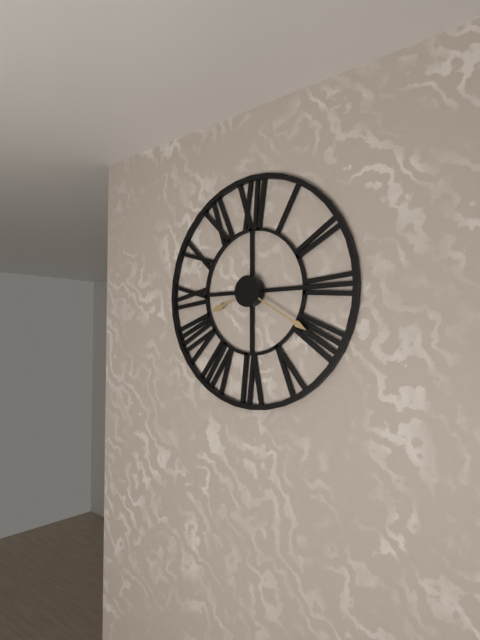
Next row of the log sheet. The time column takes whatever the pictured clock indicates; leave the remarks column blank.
8:20
